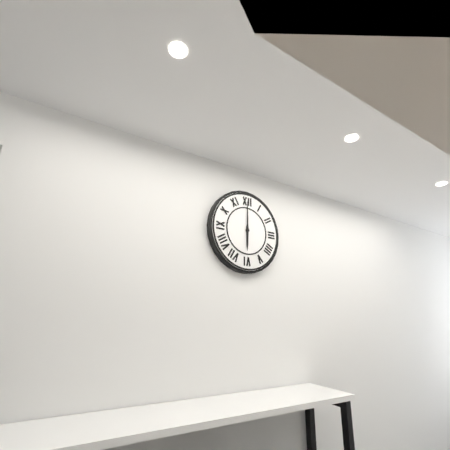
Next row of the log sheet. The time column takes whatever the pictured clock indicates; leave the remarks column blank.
6:00
